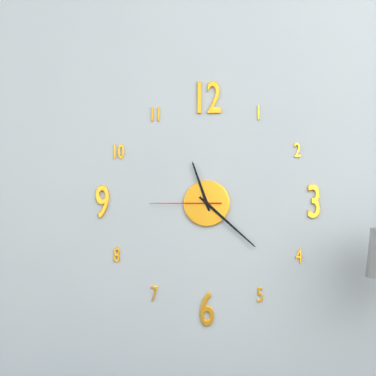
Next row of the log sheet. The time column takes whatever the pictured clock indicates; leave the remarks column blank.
11:22:45
